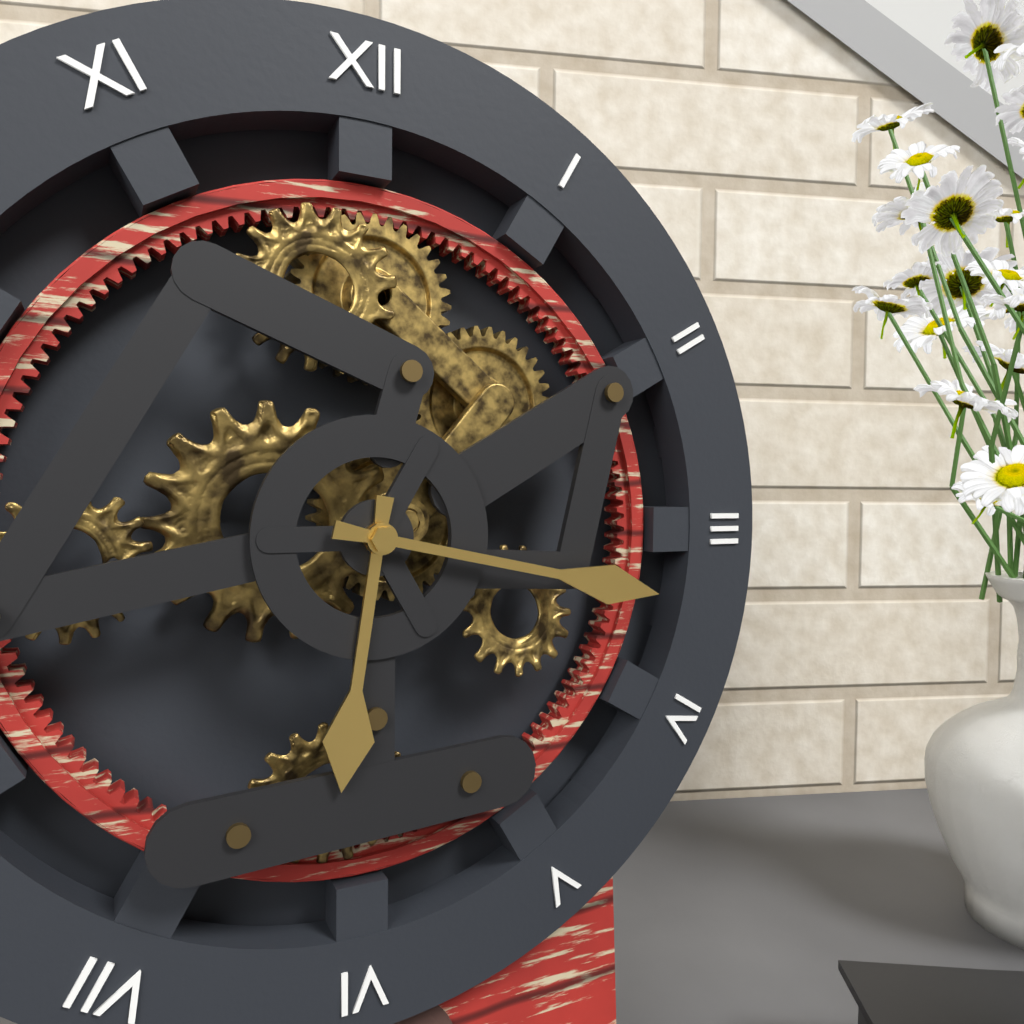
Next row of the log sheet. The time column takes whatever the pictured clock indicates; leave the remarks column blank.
6:17
